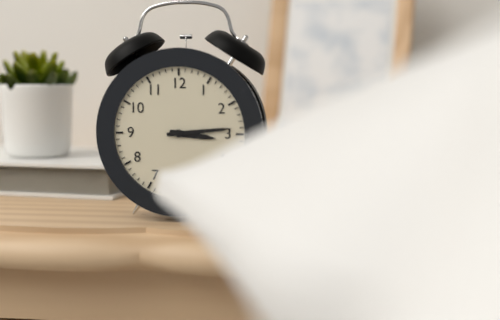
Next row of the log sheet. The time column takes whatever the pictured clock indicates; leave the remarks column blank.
3:14
